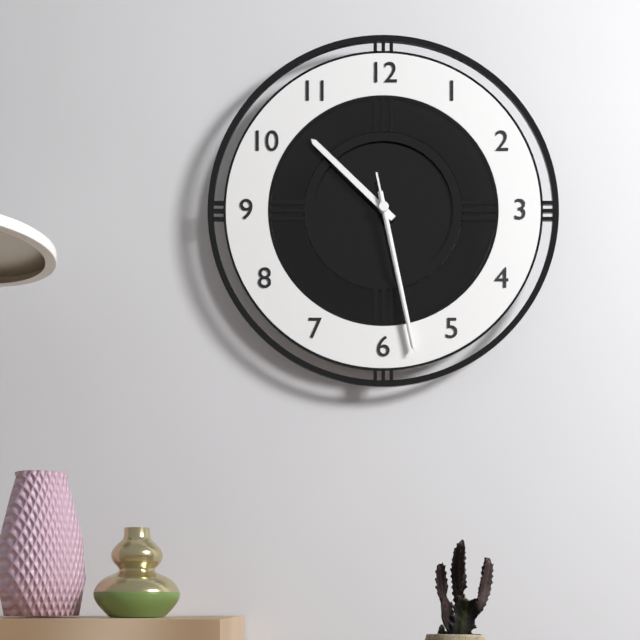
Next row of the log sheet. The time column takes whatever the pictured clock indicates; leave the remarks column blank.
10:28:28
